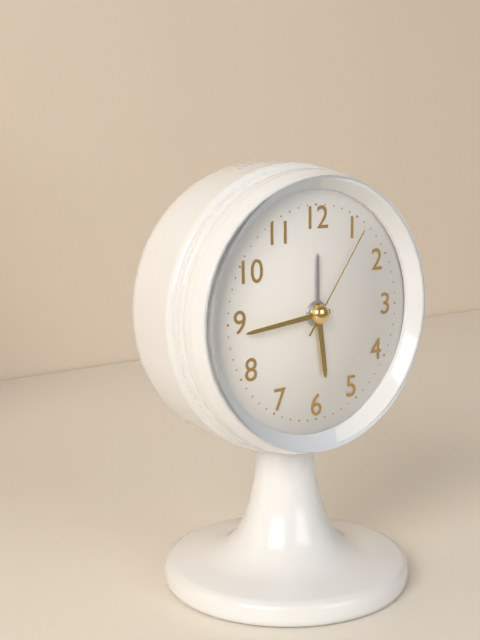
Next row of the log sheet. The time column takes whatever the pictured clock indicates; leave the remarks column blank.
5:44:06
